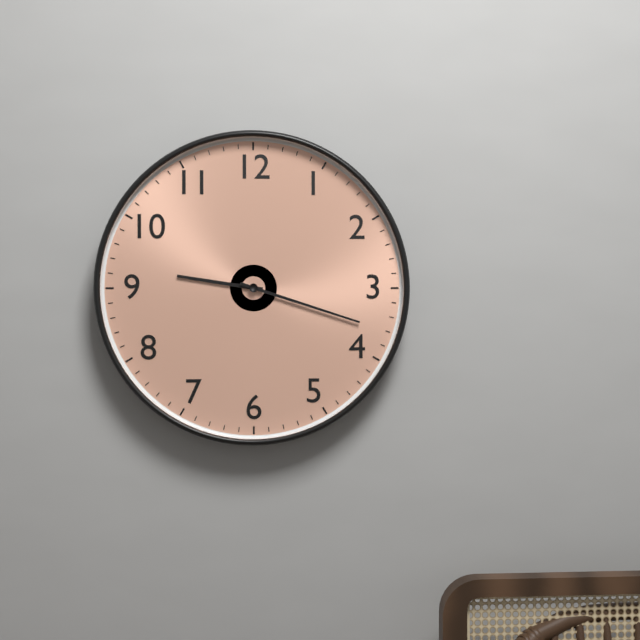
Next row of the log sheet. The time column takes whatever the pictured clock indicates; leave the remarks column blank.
9:18
